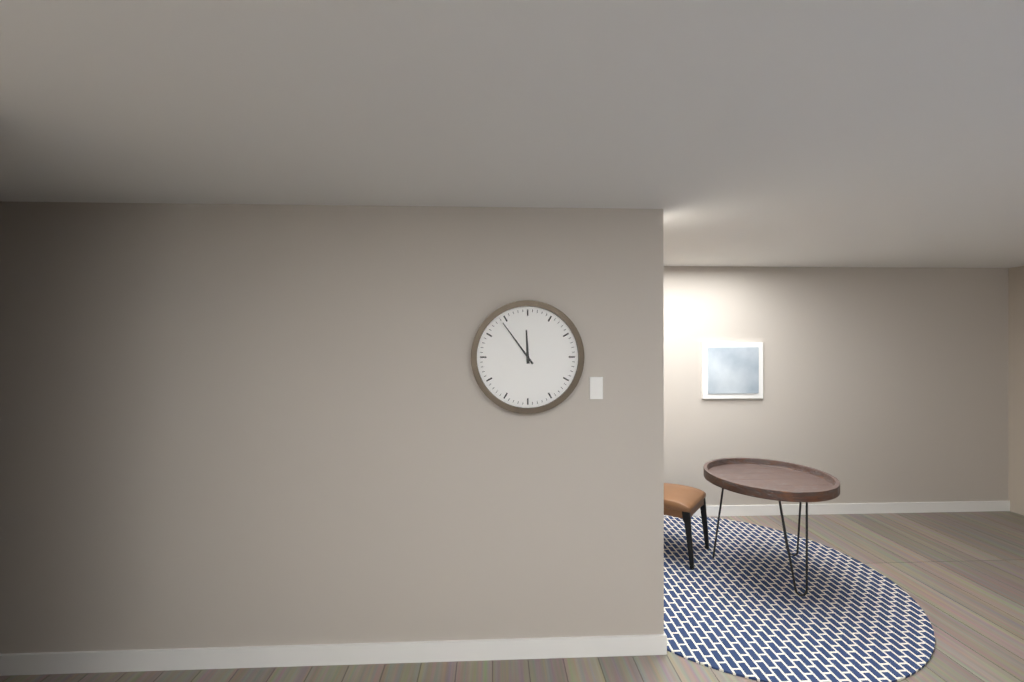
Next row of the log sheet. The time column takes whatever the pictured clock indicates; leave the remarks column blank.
11:54
